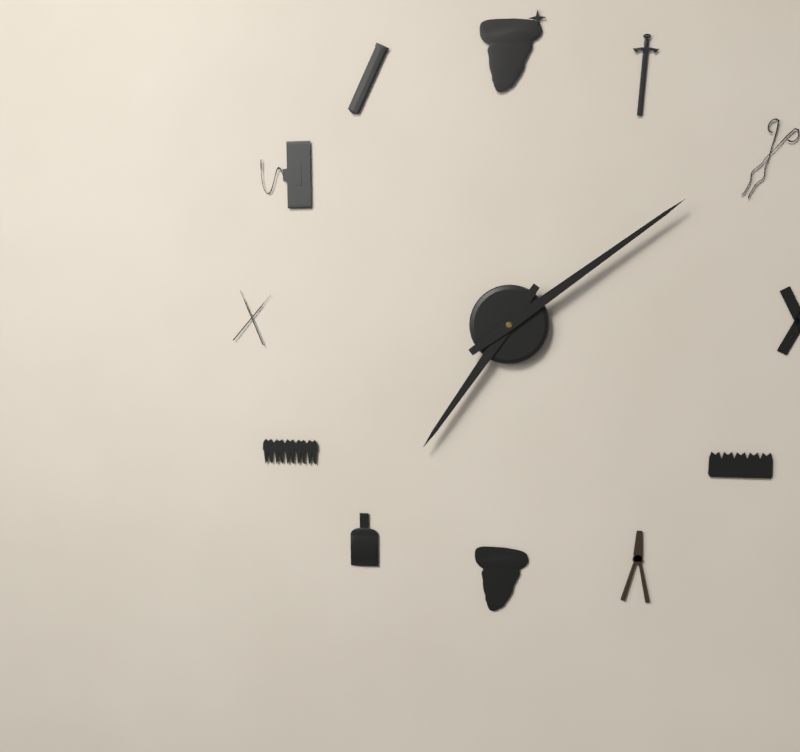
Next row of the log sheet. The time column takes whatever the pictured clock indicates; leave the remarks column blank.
7:09
